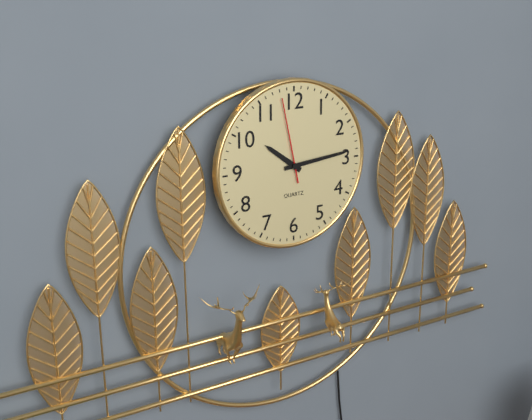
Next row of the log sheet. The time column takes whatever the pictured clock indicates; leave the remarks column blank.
10:14:58
